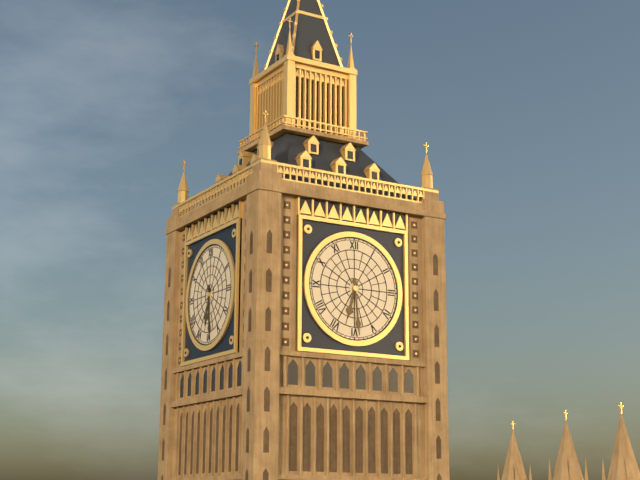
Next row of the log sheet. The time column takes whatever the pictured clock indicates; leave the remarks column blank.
6:29
